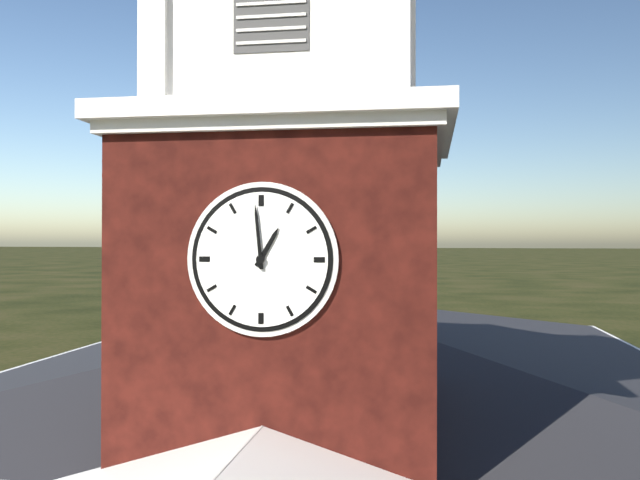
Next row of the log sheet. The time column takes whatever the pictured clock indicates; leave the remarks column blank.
12:59
